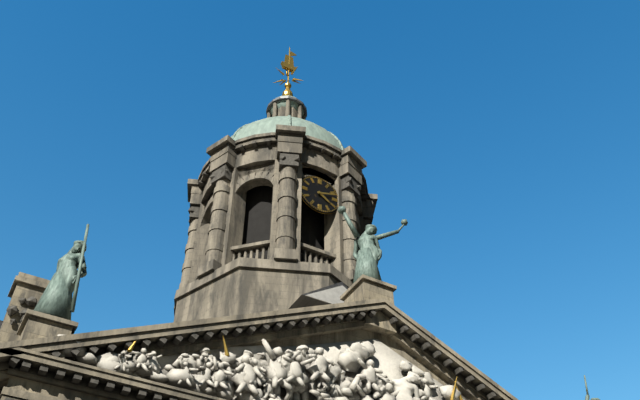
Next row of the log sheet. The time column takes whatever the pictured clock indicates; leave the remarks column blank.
4:12
